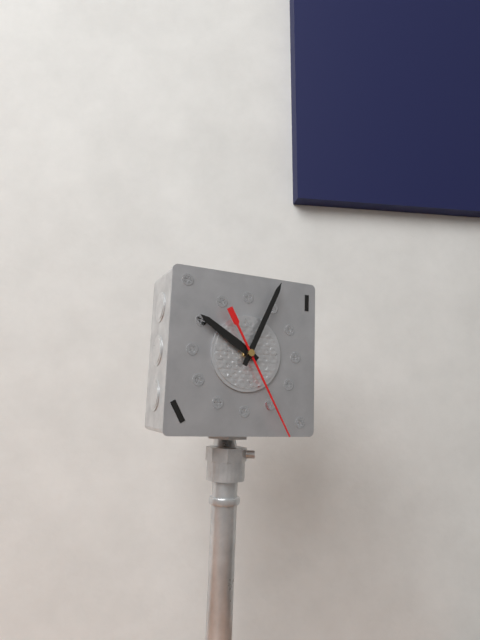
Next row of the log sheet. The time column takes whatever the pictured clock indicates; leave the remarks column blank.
10:04:25
